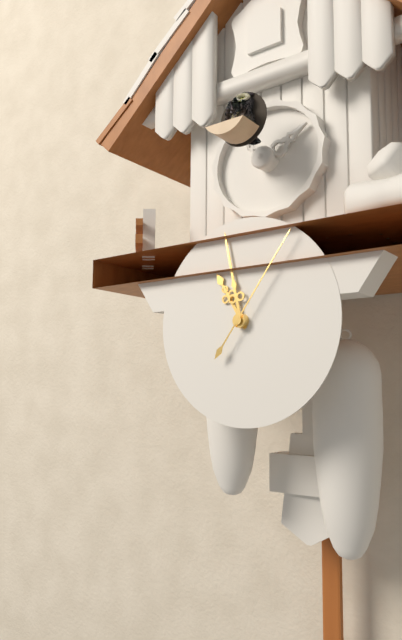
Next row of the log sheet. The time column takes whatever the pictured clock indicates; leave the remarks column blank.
10:58:06
